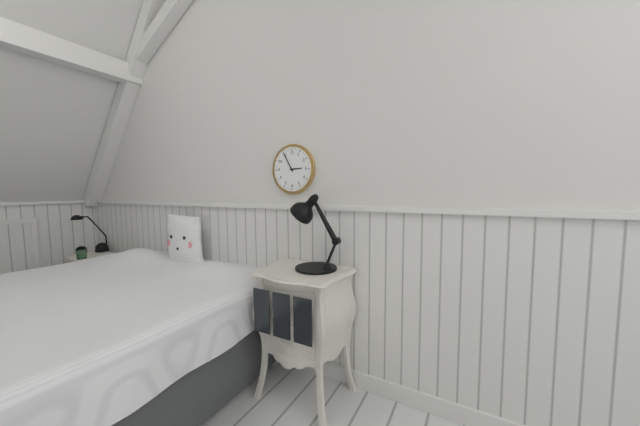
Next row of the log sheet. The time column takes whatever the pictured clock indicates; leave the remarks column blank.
2:55
